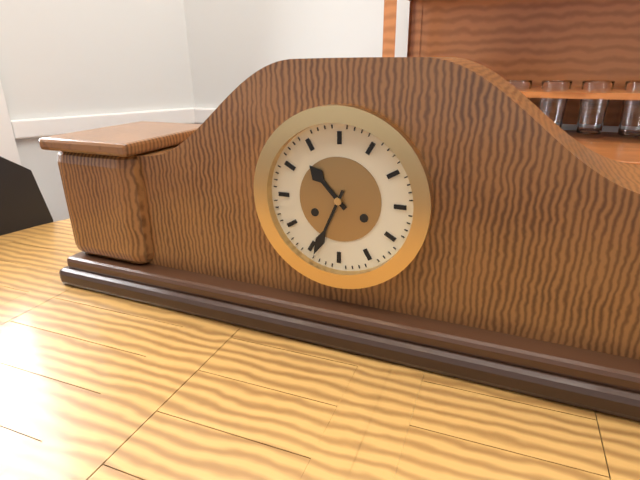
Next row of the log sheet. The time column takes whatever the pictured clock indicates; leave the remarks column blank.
10:34
